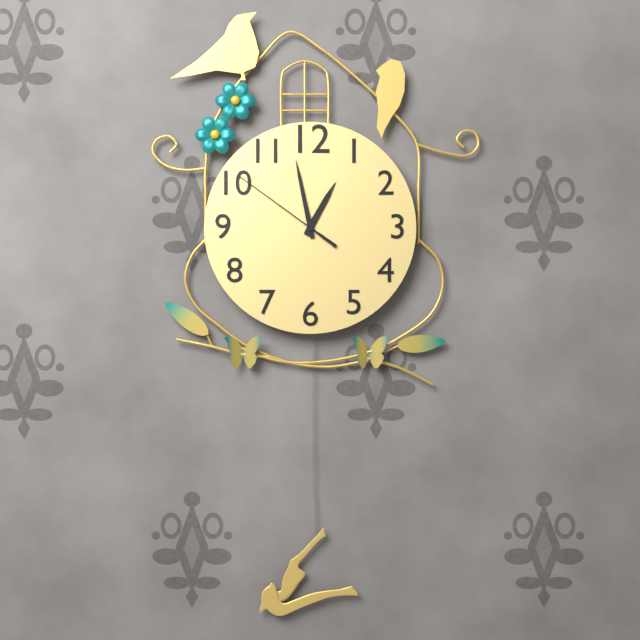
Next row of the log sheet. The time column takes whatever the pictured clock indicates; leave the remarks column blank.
12:58:51
